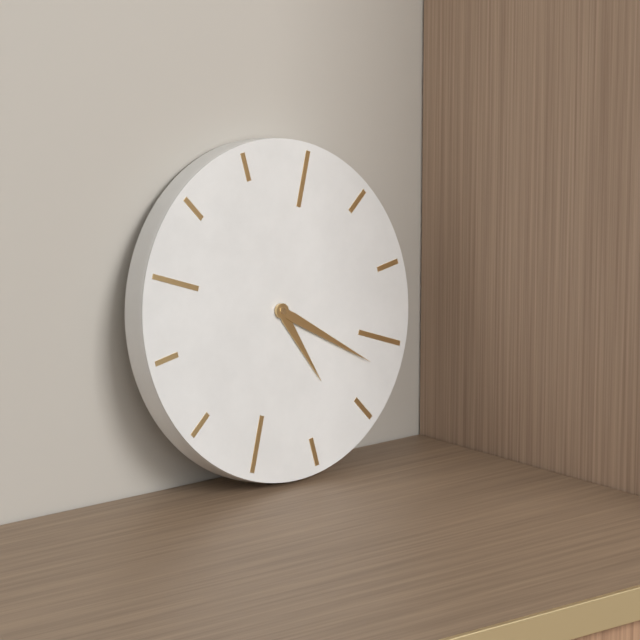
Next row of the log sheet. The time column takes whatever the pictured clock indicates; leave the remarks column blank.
5:22
